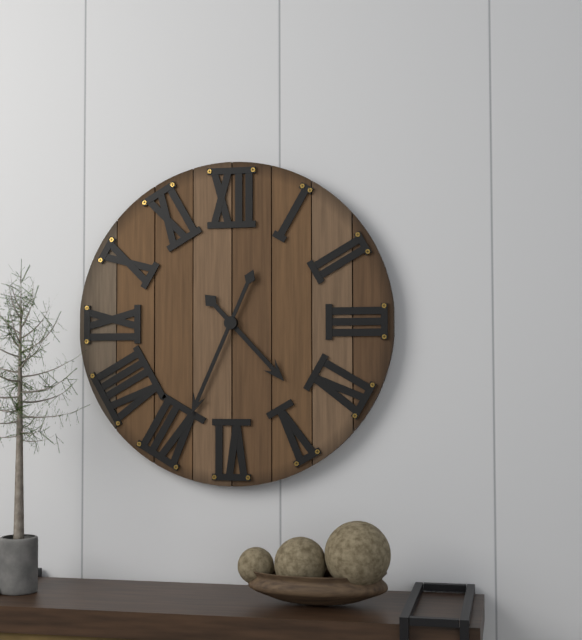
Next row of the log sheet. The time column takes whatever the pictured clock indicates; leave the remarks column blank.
4:34
